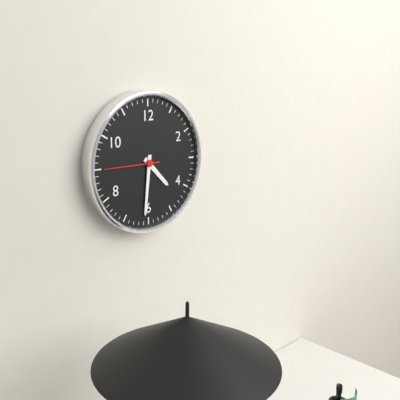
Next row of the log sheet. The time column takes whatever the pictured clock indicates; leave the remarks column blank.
4:31:45
